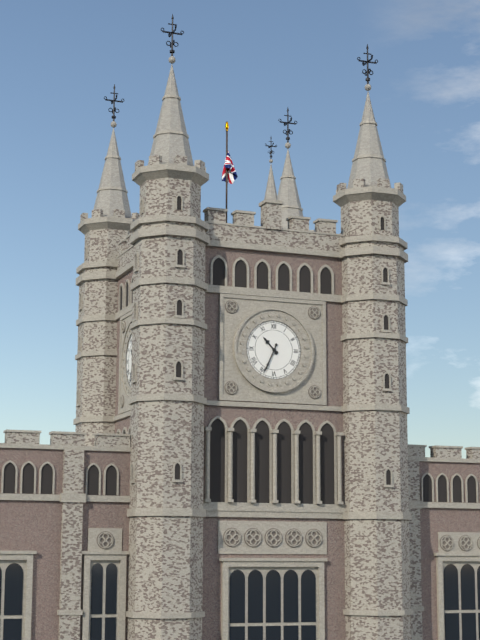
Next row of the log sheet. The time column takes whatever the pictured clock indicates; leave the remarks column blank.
10:34
